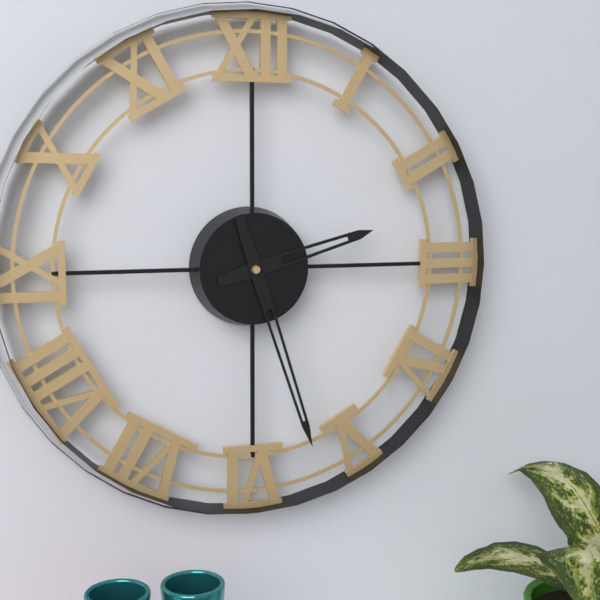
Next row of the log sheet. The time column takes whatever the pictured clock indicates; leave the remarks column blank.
2:27
